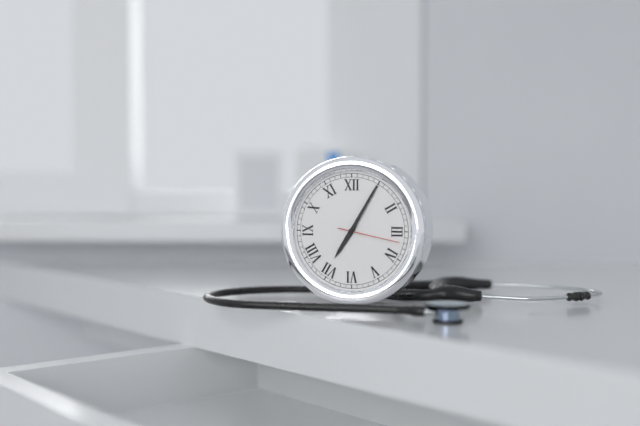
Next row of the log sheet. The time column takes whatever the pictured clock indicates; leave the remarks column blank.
7:05:17
